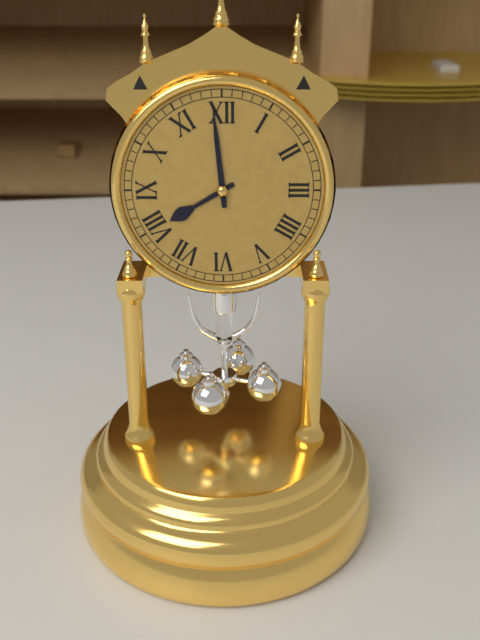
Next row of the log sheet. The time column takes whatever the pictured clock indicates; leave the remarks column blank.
7:59
